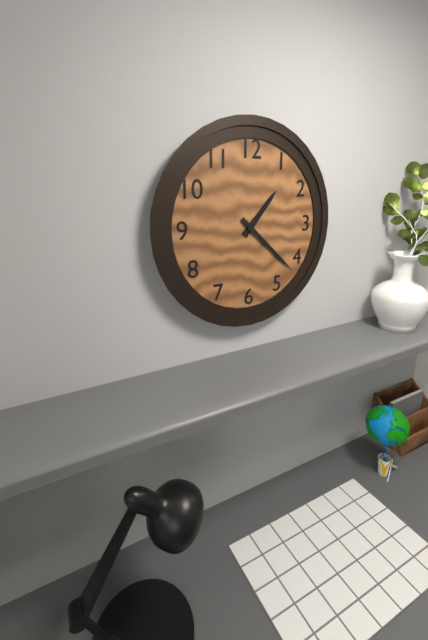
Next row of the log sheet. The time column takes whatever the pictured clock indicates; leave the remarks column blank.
1:22
